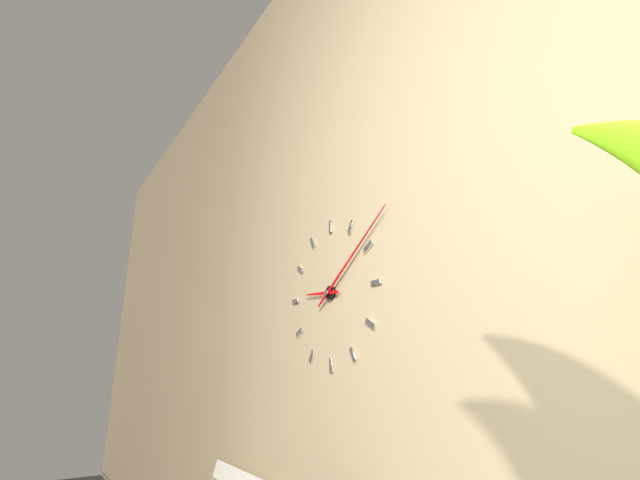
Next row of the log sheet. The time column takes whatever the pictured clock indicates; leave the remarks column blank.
9:09
